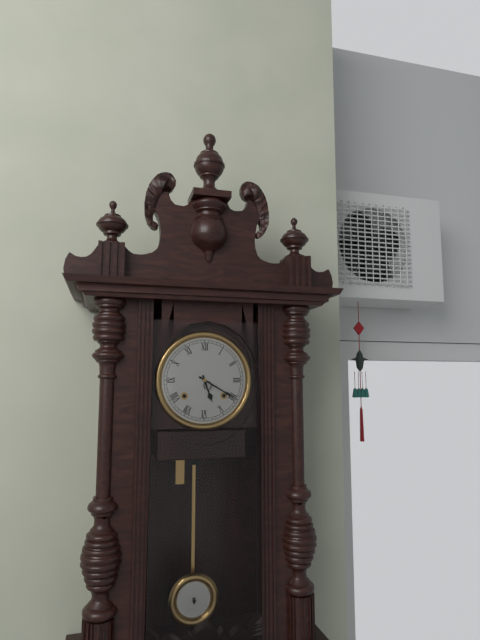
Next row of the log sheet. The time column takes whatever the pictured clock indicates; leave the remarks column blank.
5:20
